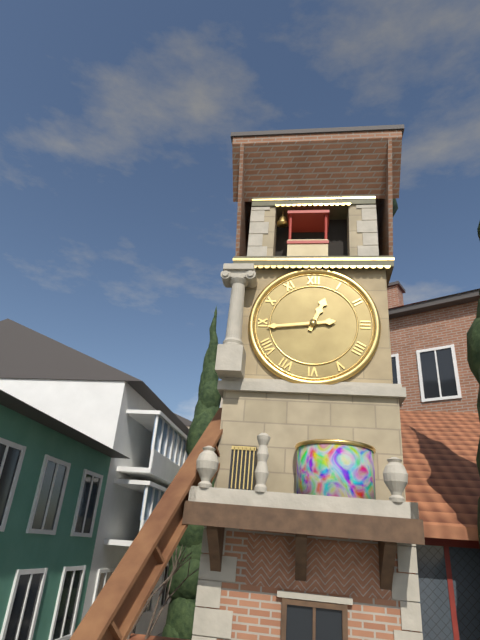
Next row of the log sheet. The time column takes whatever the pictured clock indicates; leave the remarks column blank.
12:44
